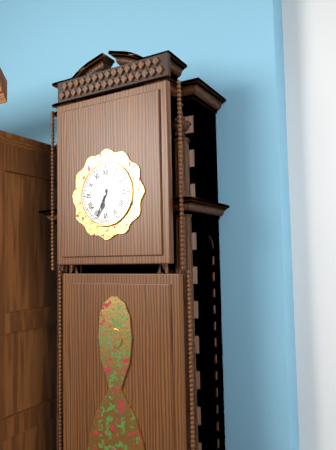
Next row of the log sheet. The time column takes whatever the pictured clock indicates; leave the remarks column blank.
6:34
